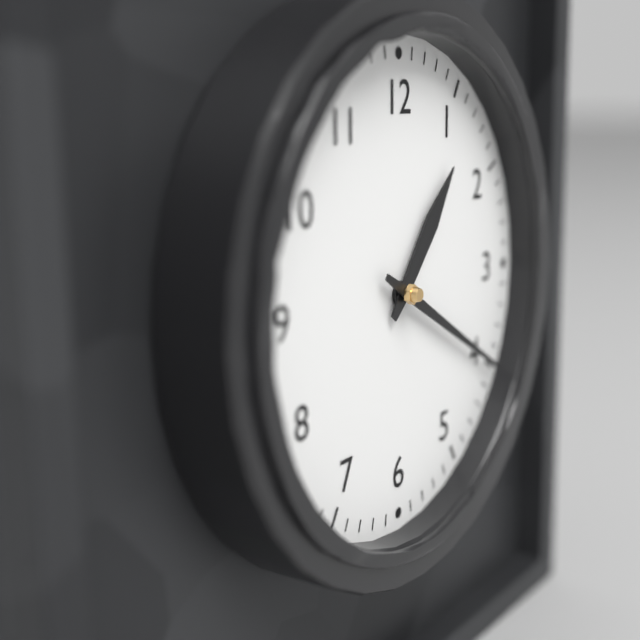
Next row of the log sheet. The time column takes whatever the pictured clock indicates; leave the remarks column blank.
1:20
